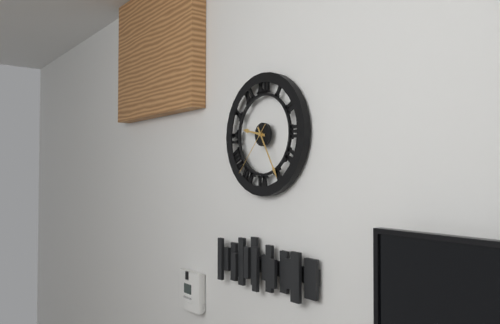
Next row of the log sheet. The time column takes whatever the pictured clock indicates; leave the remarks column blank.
9:25:37
